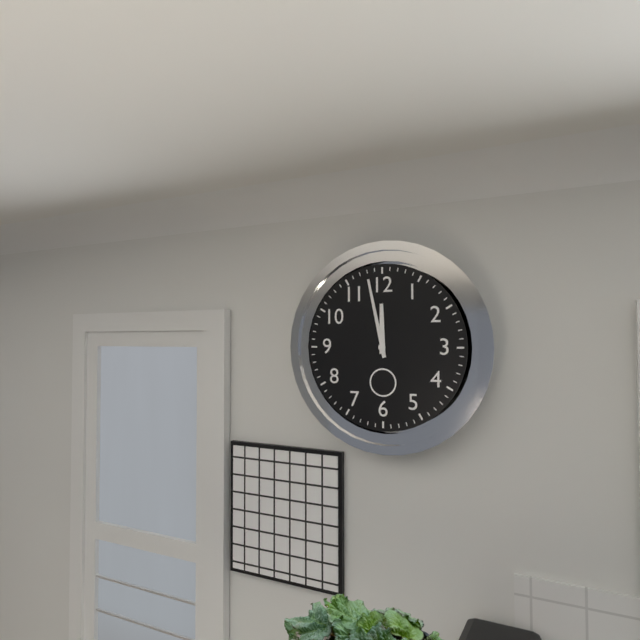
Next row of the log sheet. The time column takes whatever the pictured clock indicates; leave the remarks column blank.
11:58
